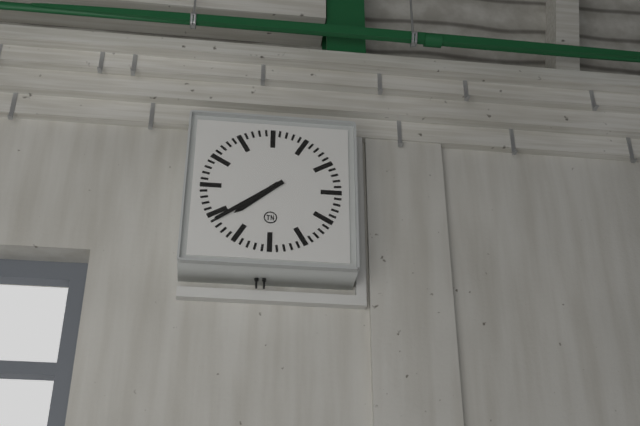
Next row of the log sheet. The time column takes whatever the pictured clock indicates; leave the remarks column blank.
7:39
